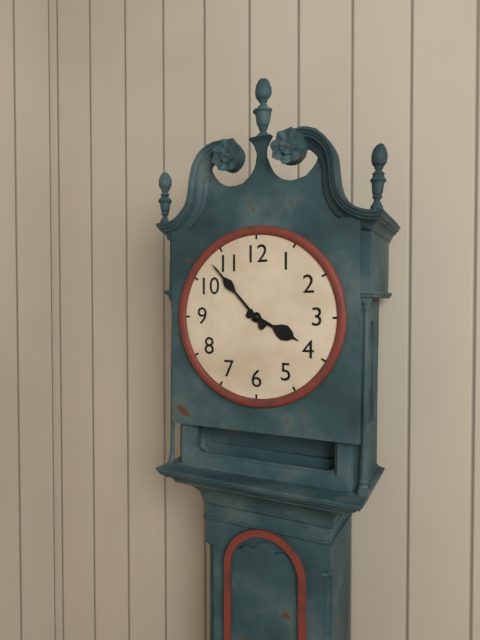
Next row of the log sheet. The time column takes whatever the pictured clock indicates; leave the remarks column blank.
3:53
